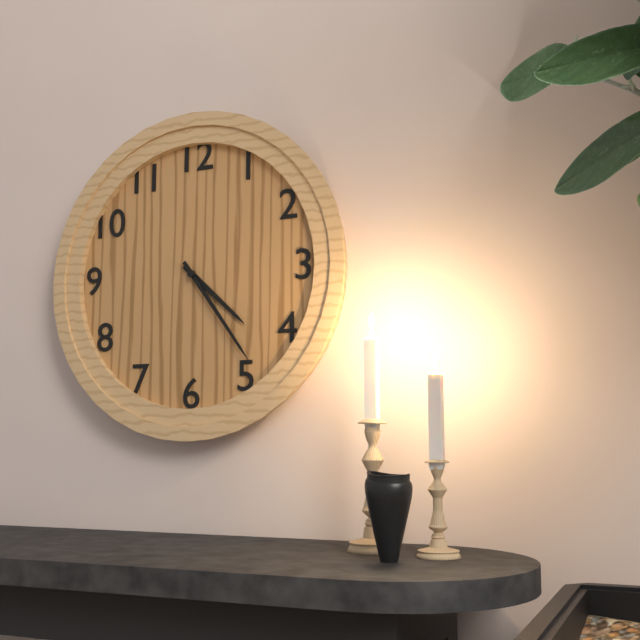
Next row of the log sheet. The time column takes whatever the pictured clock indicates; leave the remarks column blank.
4:24
